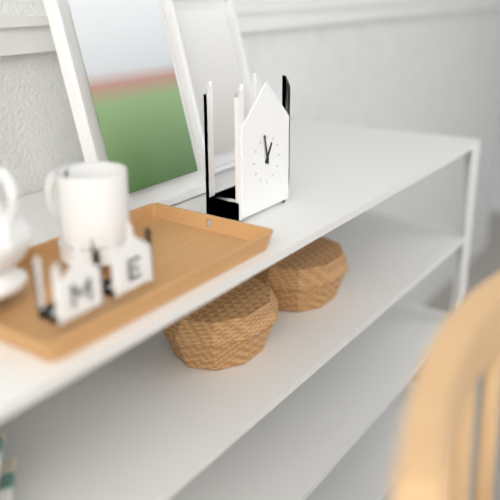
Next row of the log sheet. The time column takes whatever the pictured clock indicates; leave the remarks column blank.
12:58
